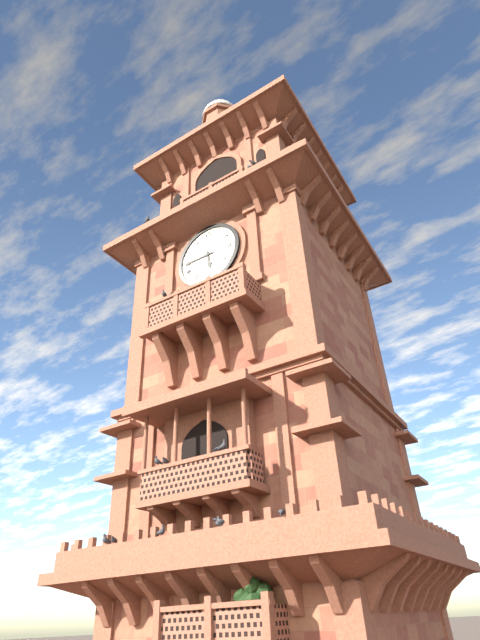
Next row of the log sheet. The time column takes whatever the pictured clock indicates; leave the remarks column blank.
5:45
